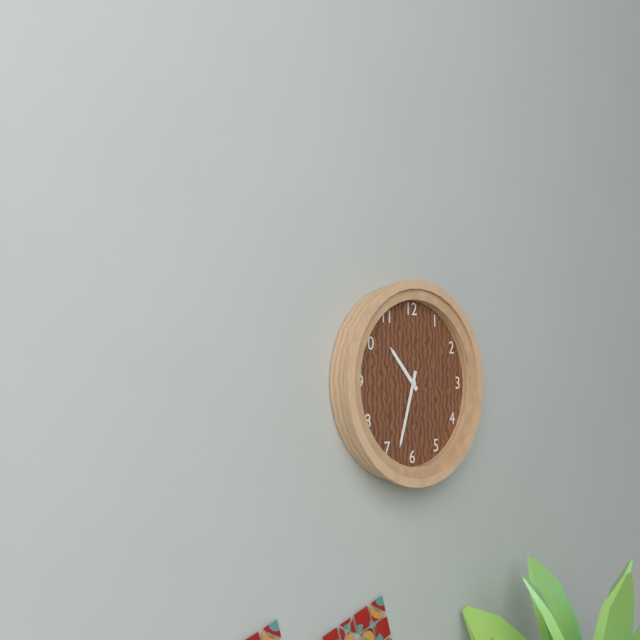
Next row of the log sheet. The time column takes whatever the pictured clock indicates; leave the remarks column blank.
10:33
